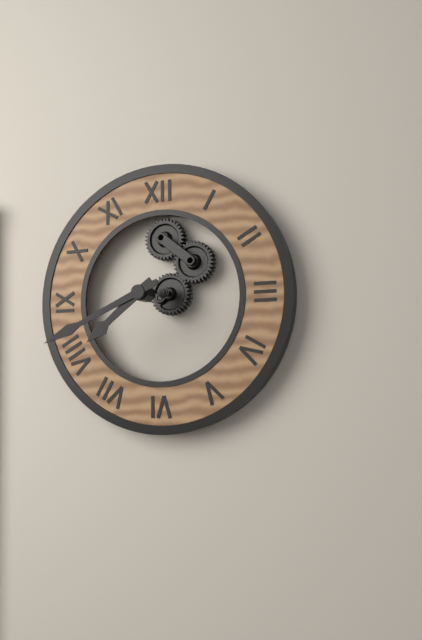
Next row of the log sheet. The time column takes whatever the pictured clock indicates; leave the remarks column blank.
7:41
